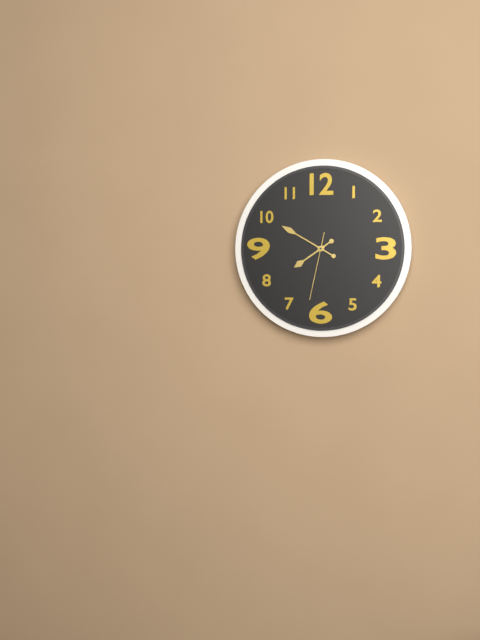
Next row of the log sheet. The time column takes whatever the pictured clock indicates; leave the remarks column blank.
7:50:32
